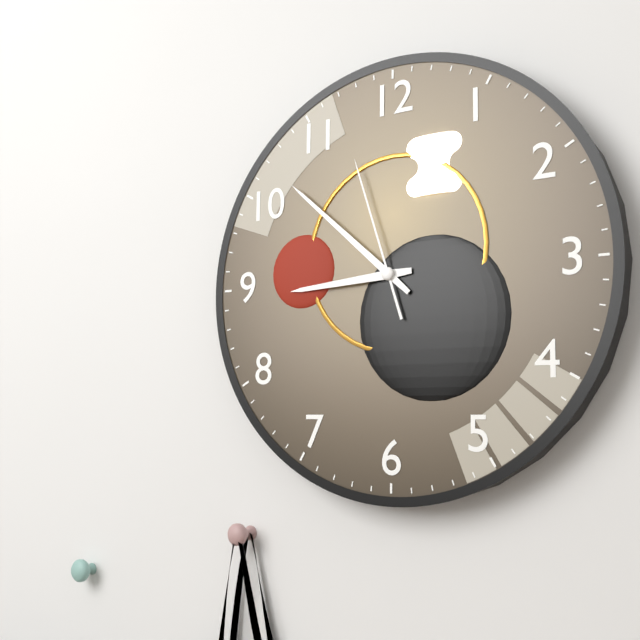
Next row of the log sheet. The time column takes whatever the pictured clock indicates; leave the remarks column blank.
8:52:57
